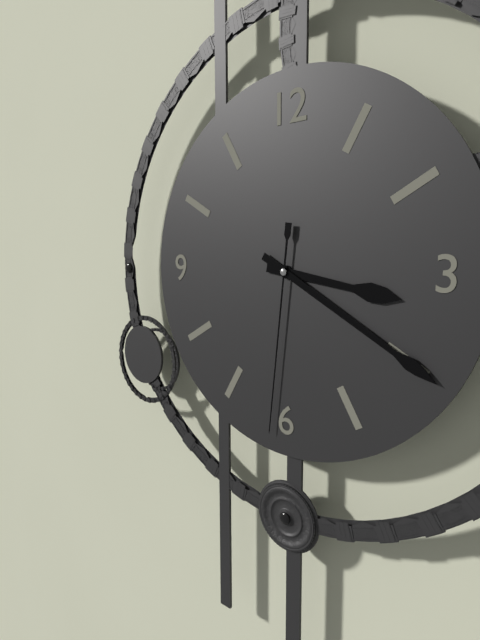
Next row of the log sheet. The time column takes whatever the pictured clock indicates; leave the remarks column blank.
3:20:31
